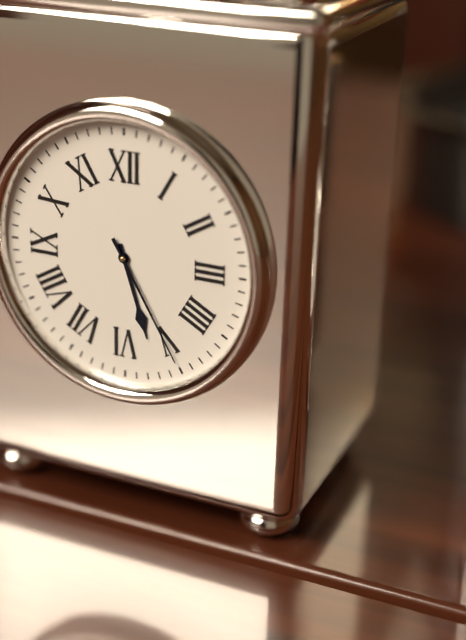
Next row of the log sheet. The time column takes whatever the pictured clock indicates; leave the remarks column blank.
5:25
